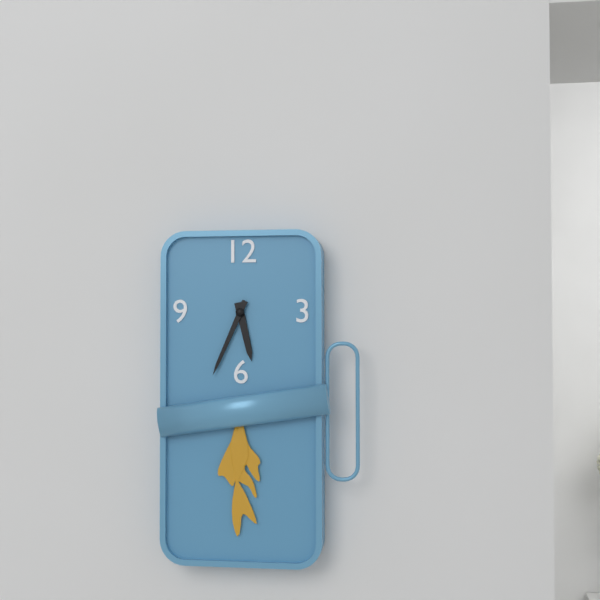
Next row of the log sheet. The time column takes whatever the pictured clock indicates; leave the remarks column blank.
5:34
